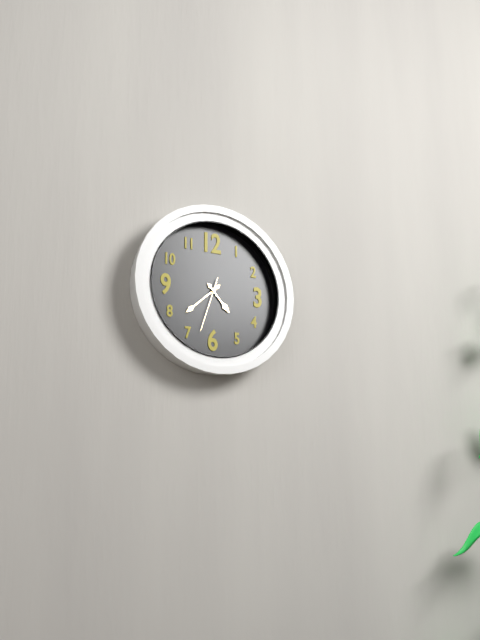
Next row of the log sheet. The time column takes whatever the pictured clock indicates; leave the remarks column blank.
4:38:33
